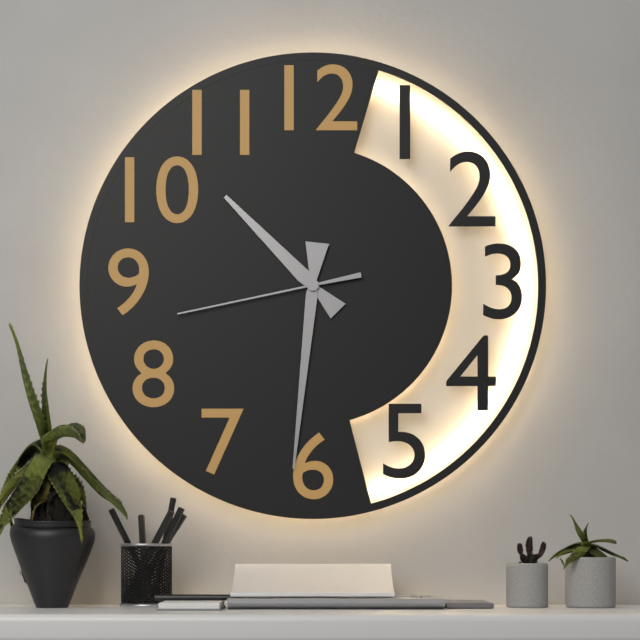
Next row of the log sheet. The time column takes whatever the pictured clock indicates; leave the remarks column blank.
10:31:43
